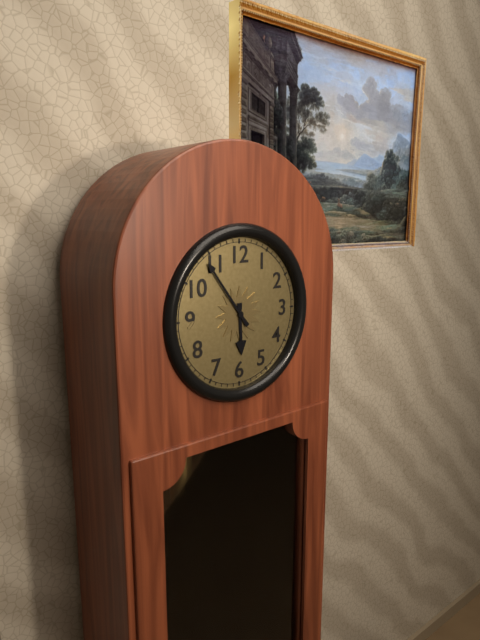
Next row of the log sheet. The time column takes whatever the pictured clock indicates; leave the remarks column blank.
5:54
